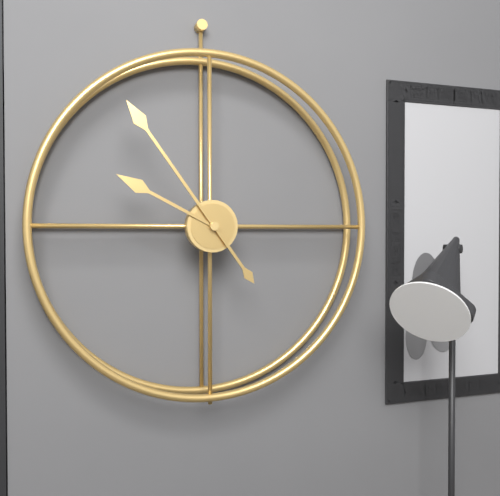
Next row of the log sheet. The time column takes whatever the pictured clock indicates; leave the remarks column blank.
9:54
